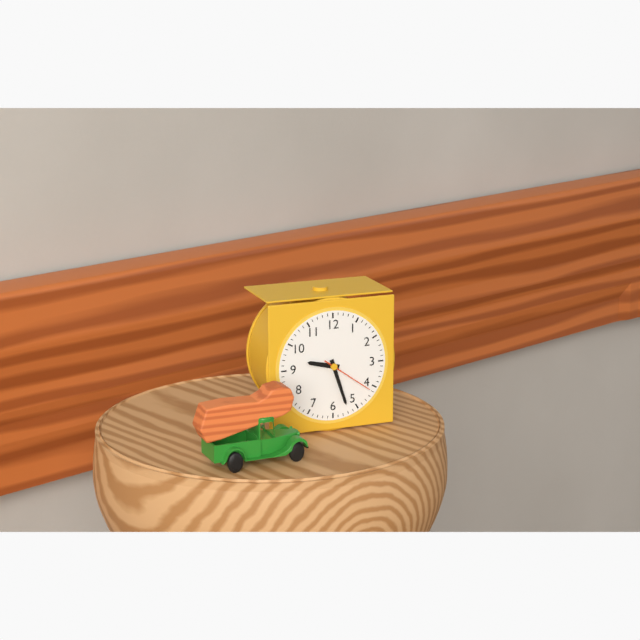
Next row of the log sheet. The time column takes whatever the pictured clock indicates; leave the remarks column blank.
9:27:21
